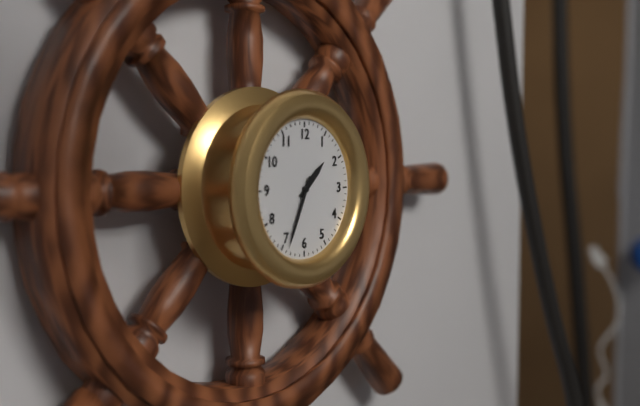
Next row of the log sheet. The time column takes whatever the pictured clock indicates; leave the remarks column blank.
1:34
